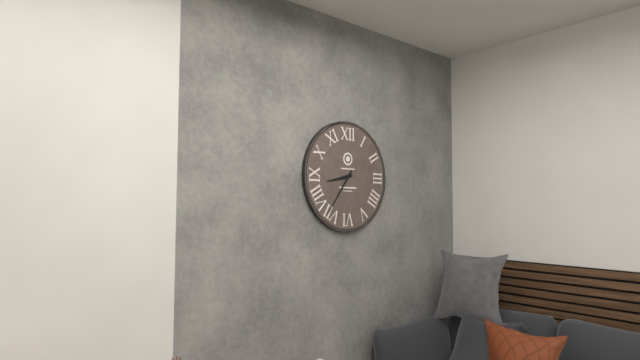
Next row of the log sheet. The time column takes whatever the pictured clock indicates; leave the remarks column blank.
8:36
